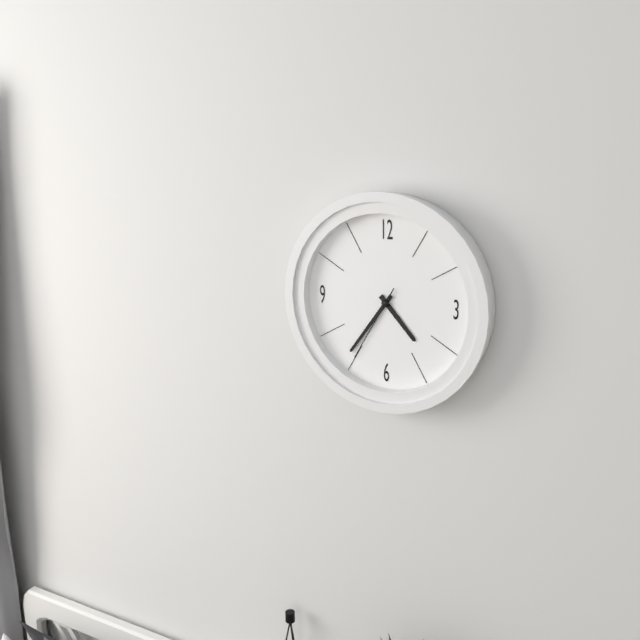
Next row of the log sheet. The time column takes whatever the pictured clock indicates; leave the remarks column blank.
4:36:35
